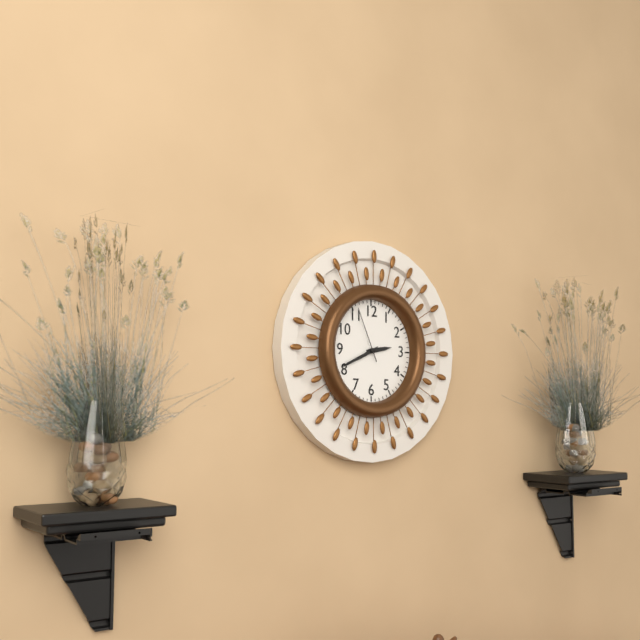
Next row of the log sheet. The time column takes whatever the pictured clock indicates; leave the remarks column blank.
2:41:56
